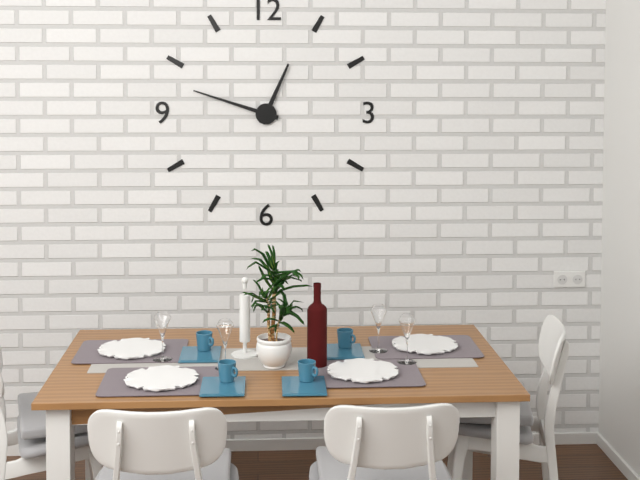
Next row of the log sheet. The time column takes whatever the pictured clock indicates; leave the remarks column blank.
12:48
